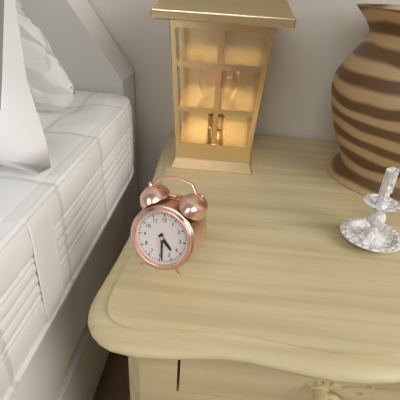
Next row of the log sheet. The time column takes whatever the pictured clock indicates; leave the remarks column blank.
4:29
